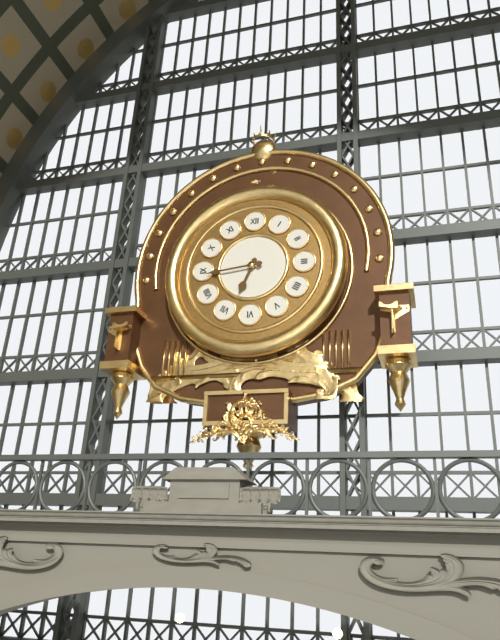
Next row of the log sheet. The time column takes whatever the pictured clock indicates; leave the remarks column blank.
6:44
